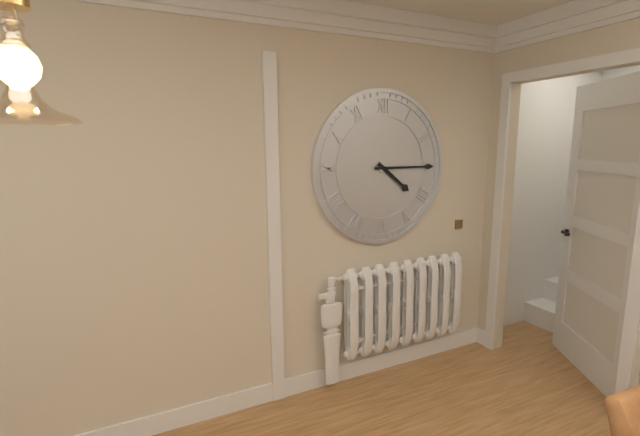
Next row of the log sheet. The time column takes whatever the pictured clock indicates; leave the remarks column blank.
4:15
